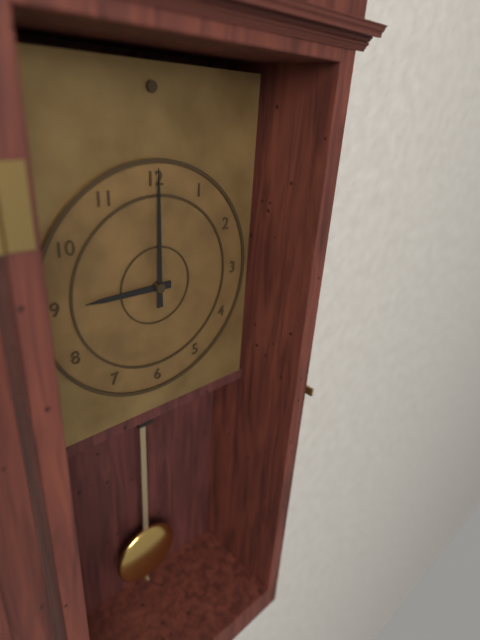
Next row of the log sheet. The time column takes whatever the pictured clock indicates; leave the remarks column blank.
9:00
